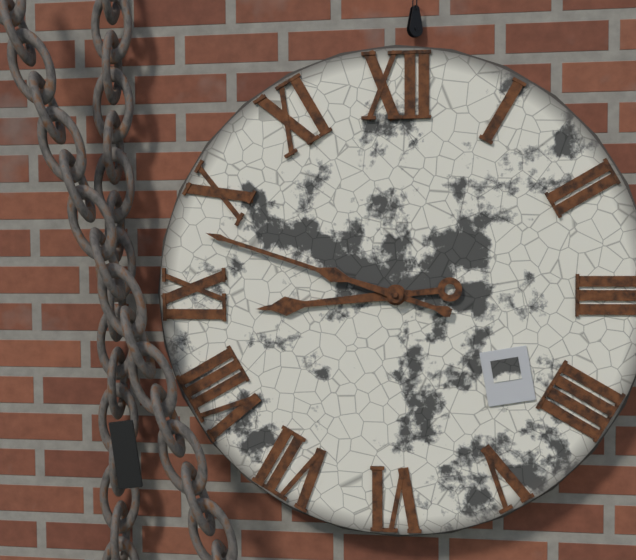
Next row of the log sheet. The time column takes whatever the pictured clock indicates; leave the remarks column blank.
8:48
